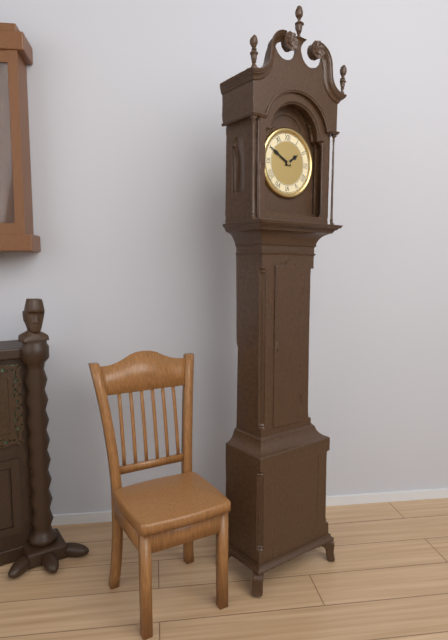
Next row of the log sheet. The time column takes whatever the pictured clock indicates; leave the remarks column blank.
1:50
